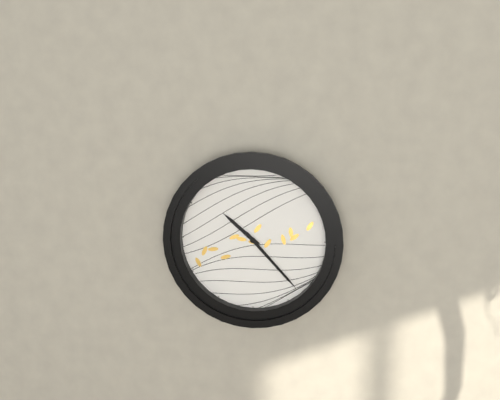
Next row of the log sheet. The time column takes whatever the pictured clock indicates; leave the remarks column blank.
10:23
